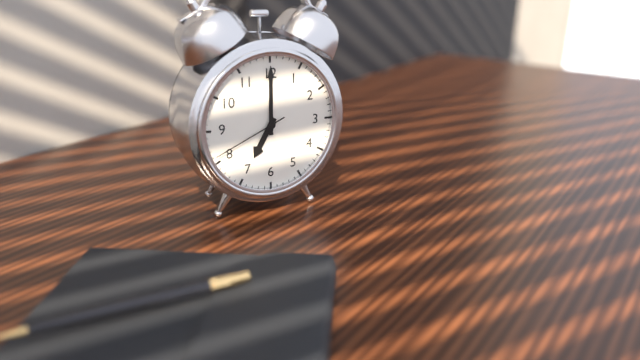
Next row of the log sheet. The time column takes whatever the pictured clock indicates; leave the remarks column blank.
7:00:41
